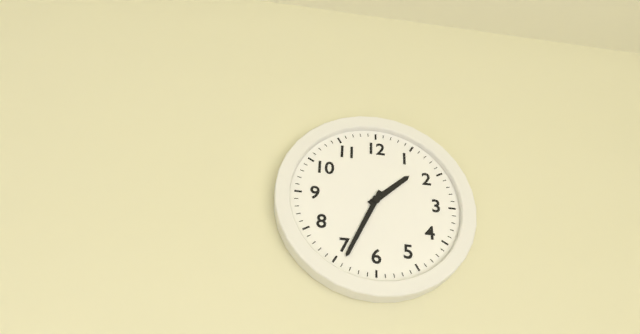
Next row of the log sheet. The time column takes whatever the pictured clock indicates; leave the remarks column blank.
1:34
